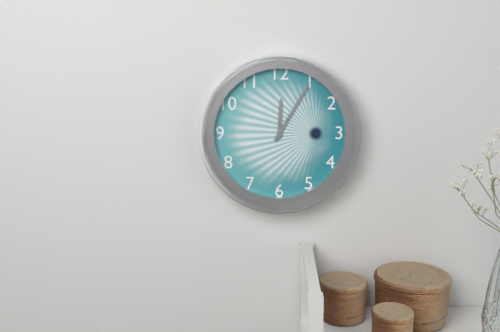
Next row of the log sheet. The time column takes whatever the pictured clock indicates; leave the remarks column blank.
12:05
